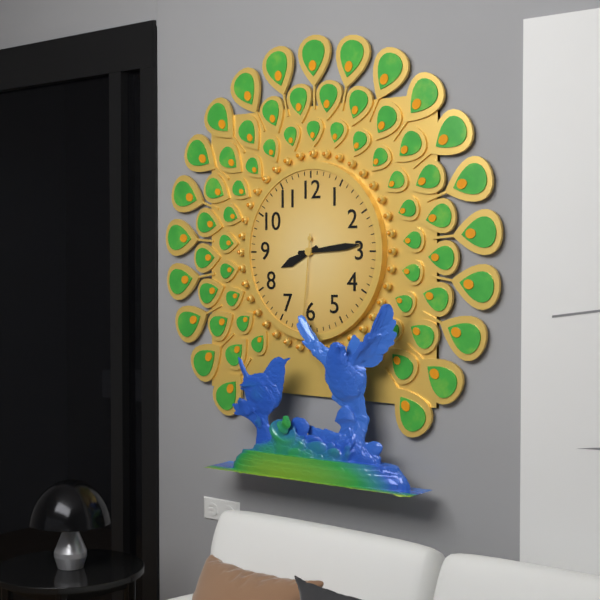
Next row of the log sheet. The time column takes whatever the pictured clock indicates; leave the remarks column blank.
8:14:31
